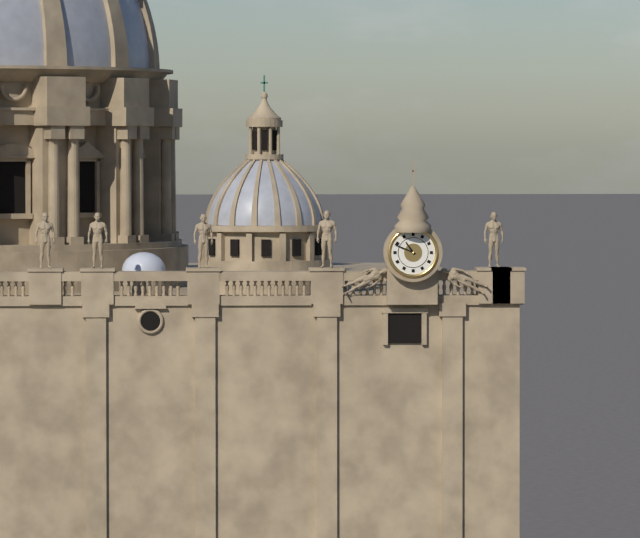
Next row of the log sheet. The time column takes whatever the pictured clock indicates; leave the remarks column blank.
10:49
